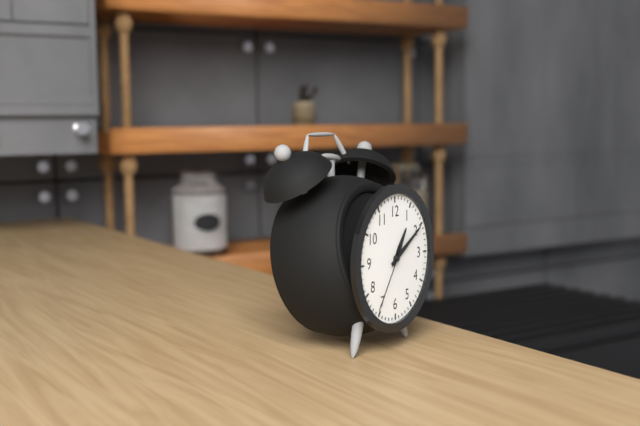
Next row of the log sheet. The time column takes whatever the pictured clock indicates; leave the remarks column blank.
1:10:36
